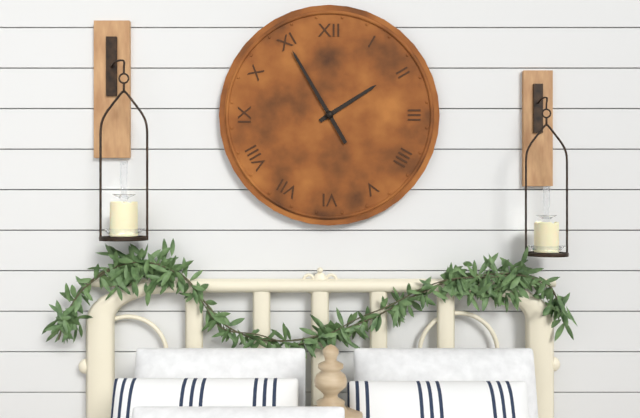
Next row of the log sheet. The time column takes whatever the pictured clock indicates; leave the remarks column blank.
1:55
